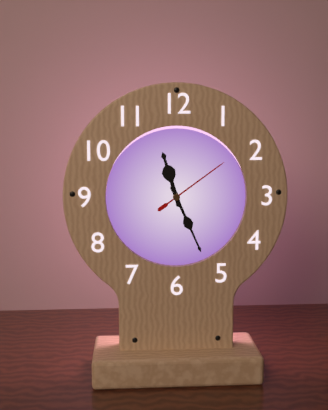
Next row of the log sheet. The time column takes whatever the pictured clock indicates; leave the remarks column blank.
11:26:09
